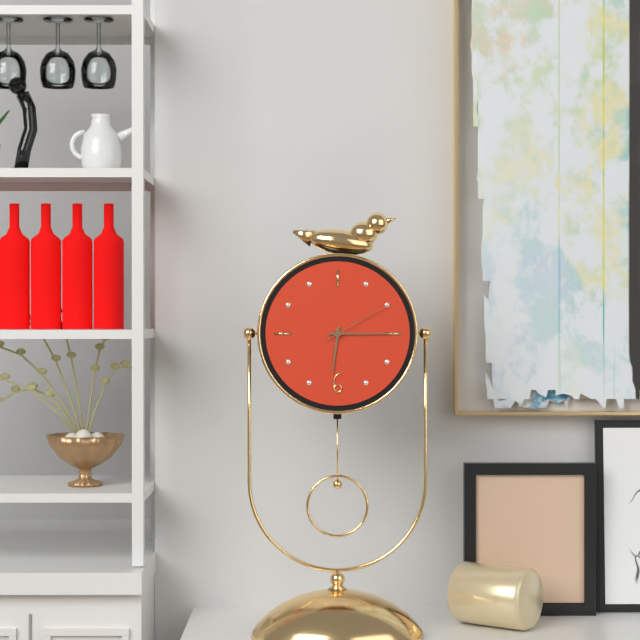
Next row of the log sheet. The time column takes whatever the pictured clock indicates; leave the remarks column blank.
6:15:10
